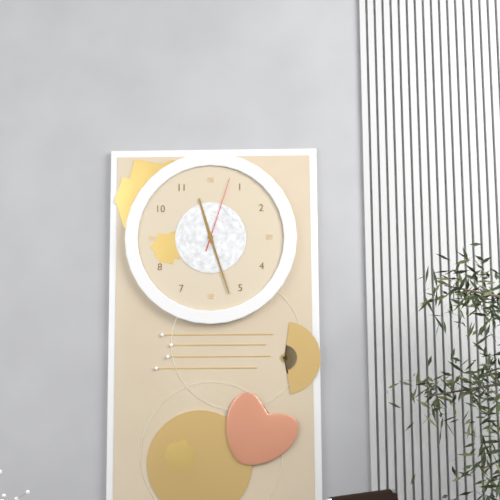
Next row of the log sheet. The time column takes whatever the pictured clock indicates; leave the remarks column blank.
11:27:03
